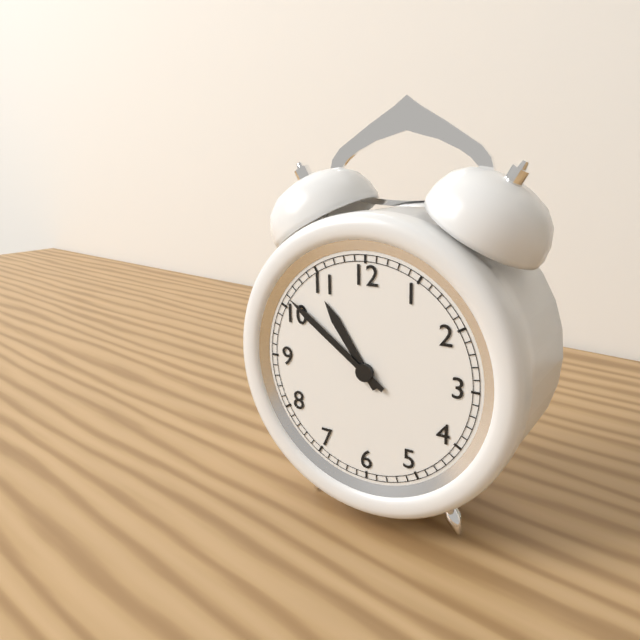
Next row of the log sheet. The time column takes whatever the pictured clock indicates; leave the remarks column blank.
10:51
